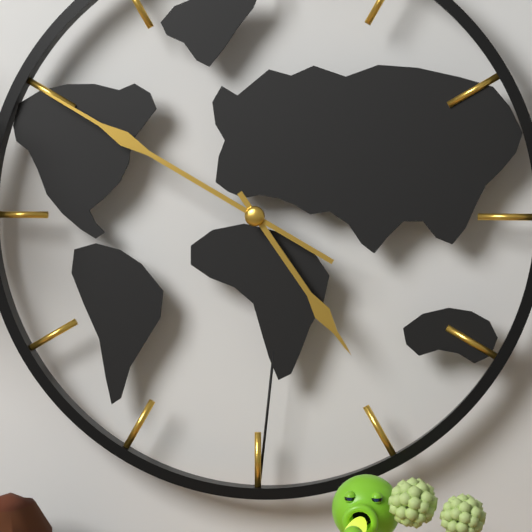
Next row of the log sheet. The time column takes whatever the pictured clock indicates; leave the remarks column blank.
4:50
